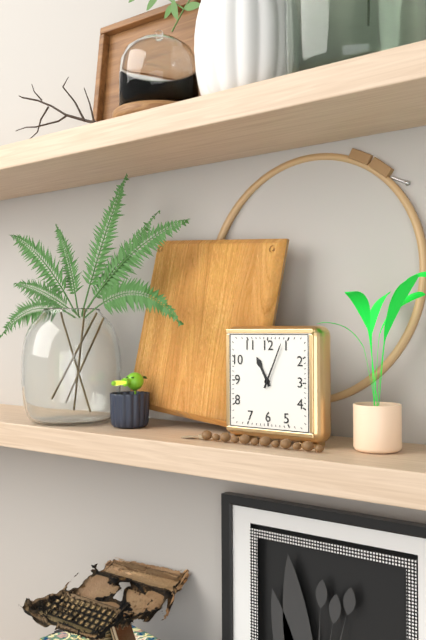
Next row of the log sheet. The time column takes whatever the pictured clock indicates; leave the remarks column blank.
11:04
